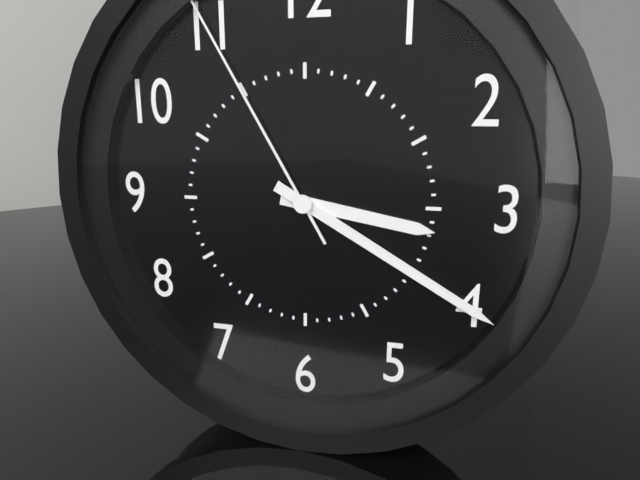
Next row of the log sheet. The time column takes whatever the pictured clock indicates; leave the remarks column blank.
3:20
